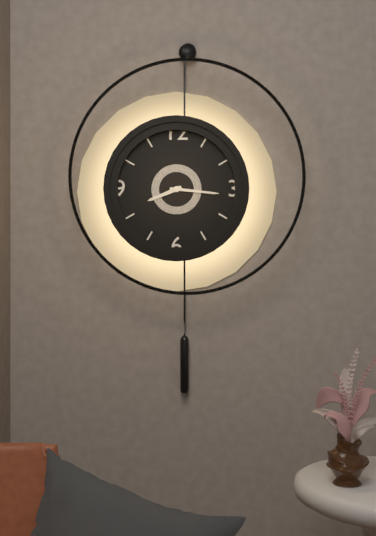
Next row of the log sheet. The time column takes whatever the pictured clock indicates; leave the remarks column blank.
8:16
